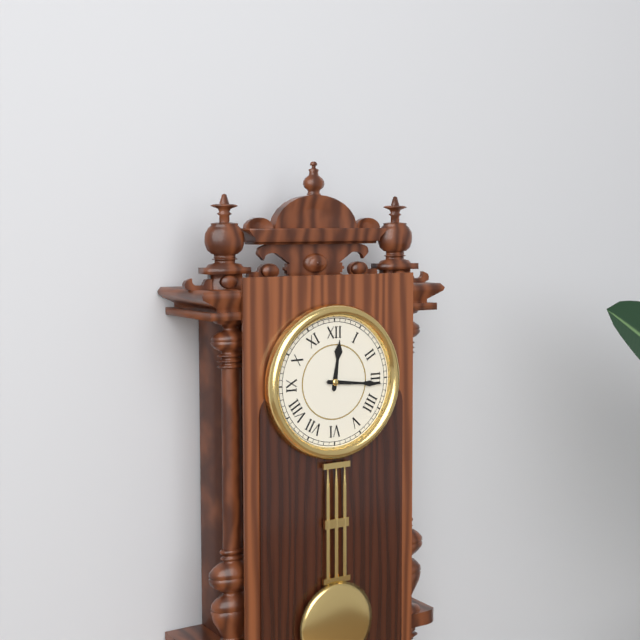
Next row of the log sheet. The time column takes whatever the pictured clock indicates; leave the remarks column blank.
12:16
